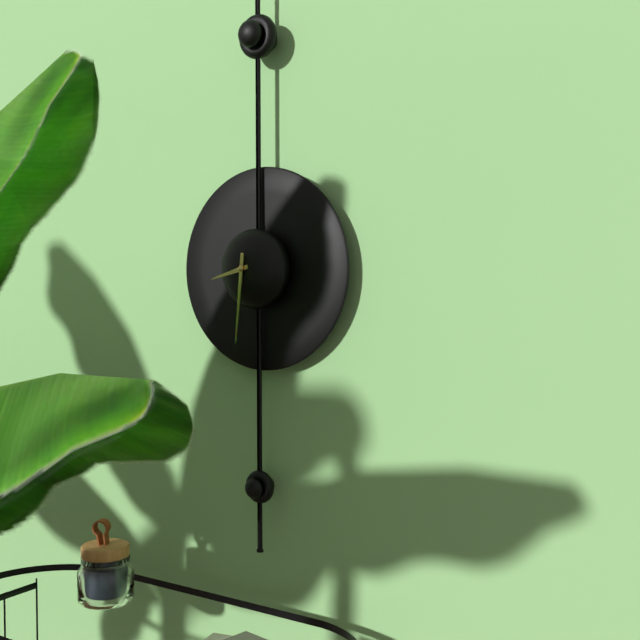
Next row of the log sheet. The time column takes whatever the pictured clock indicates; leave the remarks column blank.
8:31
